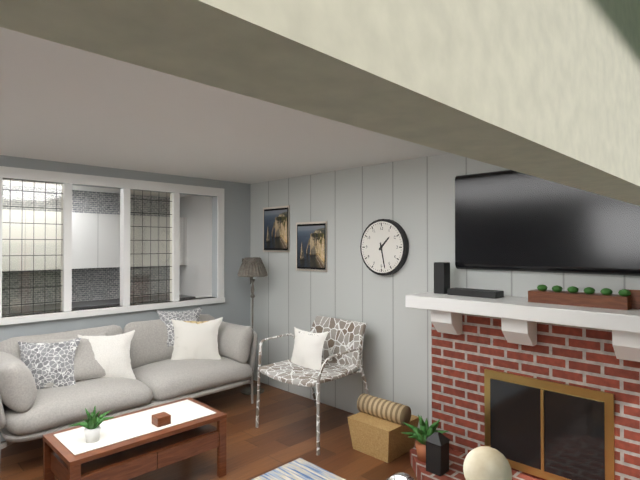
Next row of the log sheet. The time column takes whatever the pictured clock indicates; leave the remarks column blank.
1:28
